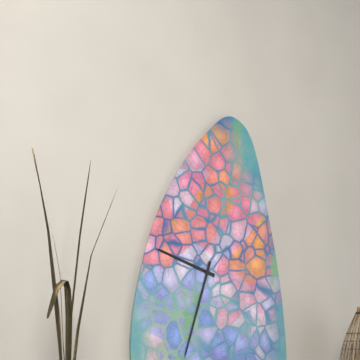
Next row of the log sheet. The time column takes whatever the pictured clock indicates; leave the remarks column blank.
9:33
